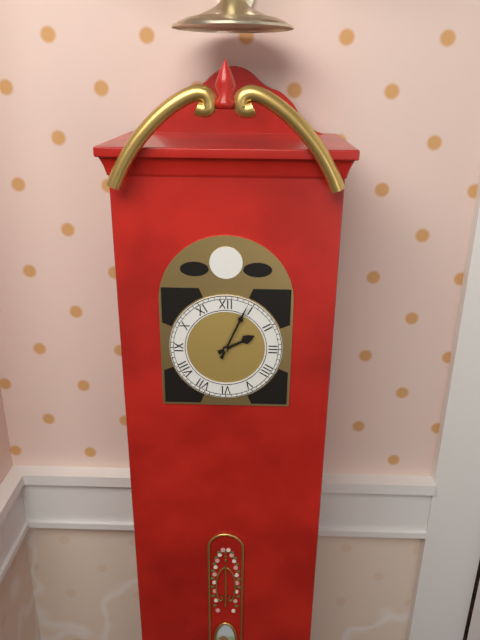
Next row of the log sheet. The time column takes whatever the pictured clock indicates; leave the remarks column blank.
2:04
